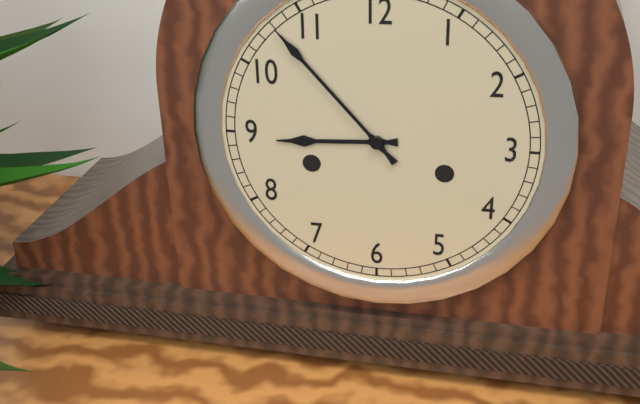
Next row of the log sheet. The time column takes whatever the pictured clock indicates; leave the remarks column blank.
8:53
